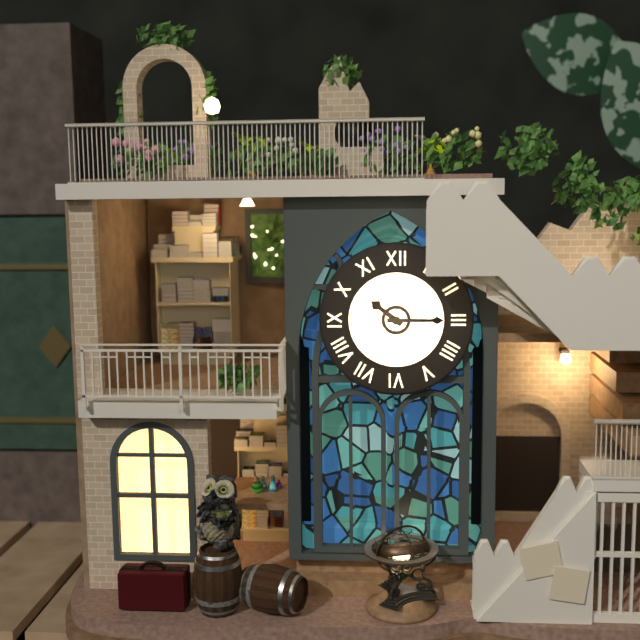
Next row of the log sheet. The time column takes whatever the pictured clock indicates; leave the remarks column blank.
10:15
